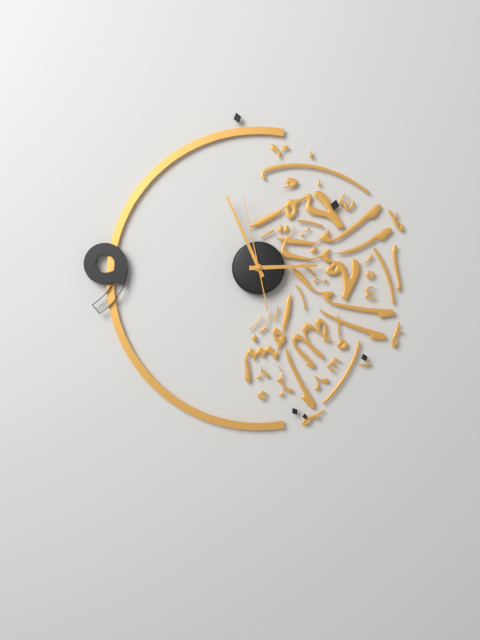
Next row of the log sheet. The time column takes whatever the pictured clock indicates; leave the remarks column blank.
2:56:58
